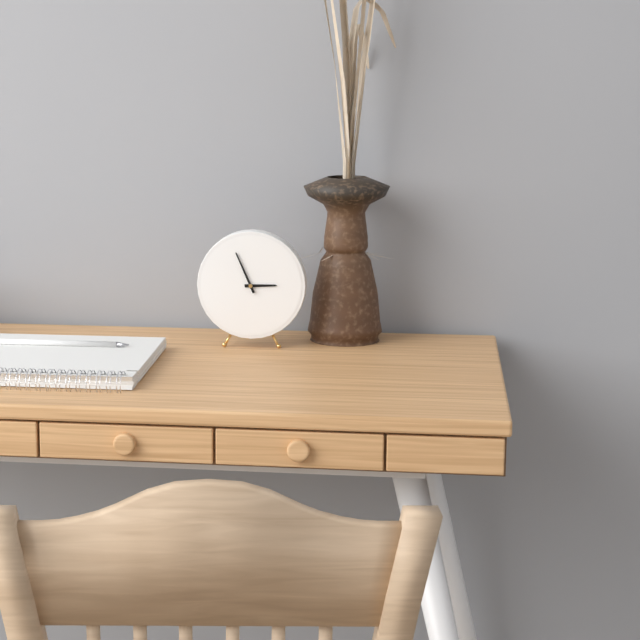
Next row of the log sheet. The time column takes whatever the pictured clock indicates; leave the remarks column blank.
2:56
